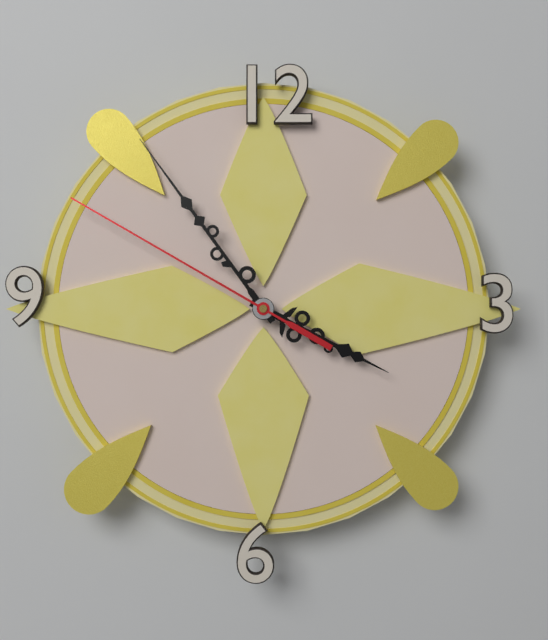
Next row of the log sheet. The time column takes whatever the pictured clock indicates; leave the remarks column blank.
3:54:50
